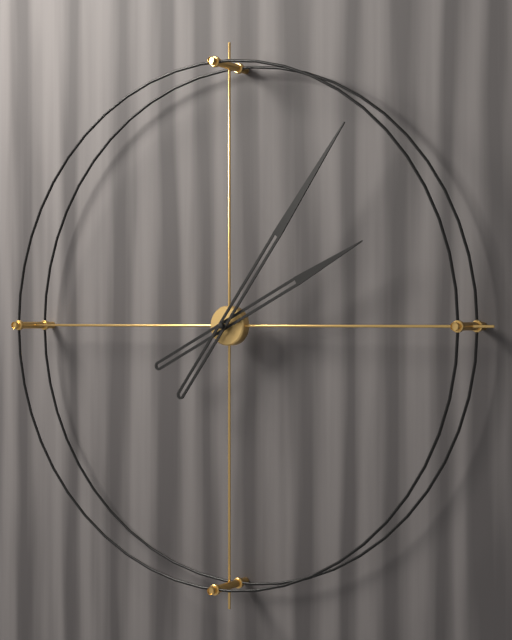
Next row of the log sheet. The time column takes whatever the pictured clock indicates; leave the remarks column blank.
2:06
